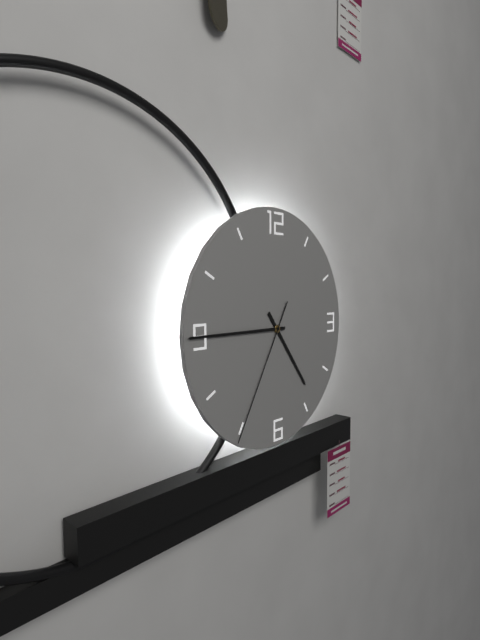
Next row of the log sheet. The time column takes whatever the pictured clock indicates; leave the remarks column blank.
4:45:35
